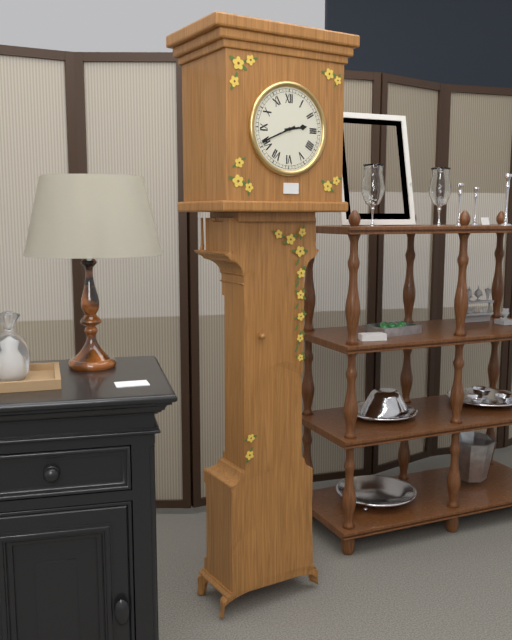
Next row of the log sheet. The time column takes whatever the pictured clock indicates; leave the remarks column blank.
2:41
